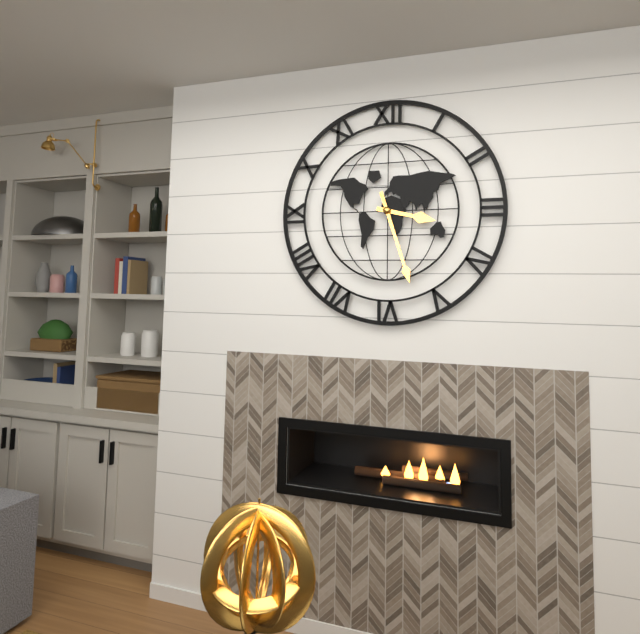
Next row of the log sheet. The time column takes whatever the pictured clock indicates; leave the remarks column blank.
3:27
